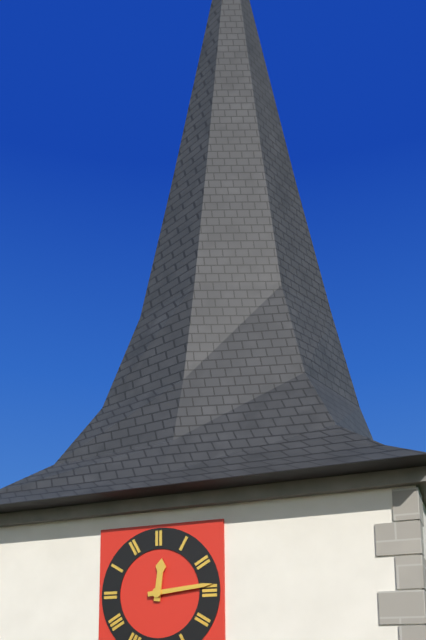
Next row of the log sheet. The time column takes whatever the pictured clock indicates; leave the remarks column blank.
12:14
